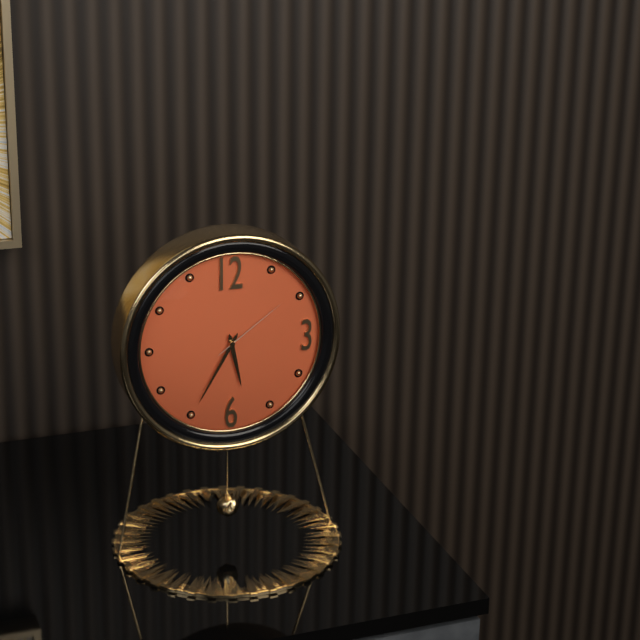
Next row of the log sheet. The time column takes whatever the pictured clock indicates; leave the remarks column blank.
5:35:09
